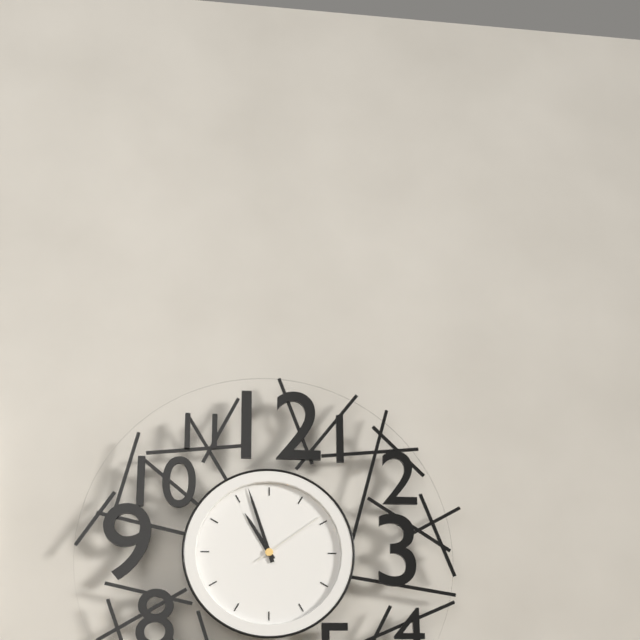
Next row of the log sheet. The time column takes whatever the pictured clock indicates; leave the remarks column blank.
10:57:09
